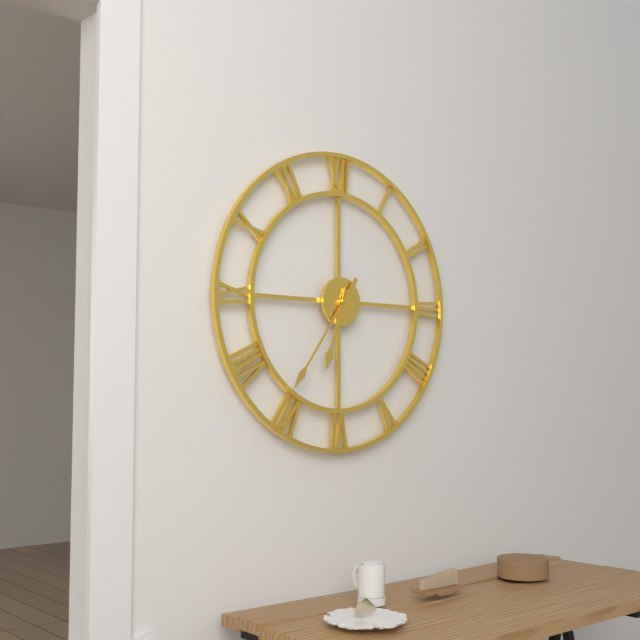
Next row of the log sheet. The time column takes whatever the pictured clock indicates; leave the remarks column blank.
6:36
